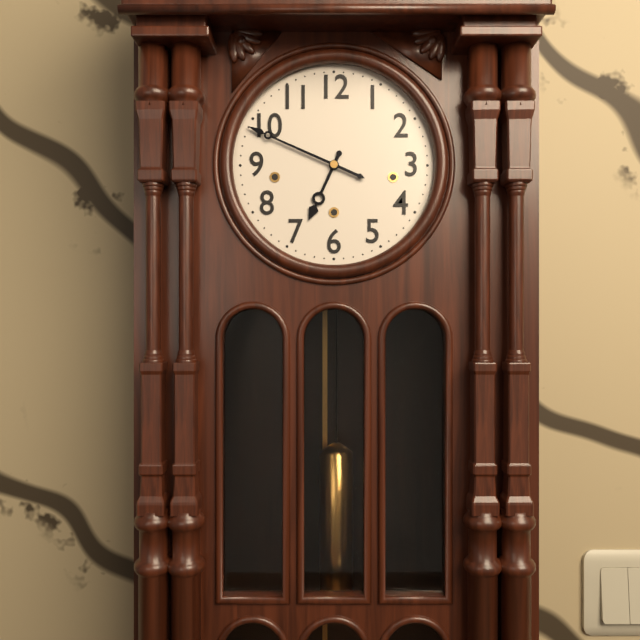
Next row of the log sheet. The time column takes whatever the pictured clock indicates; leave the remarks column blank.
6:49
